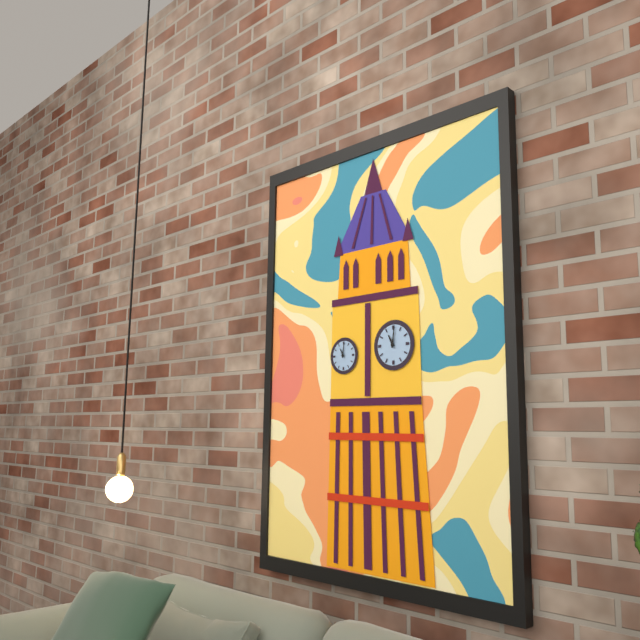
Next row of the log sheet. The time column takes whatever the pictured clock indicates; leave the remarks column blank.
11:01
